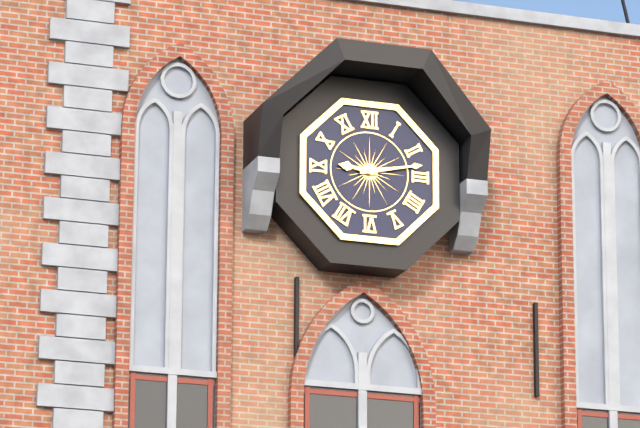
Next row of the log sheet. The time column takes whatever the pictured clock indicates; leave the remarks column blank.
9:13
